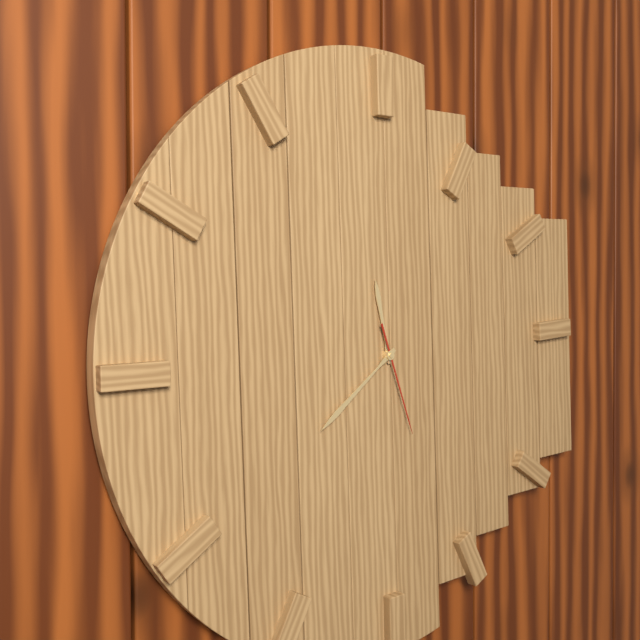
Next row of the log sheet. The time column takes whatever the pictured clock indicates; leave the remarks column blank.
11:39:27
